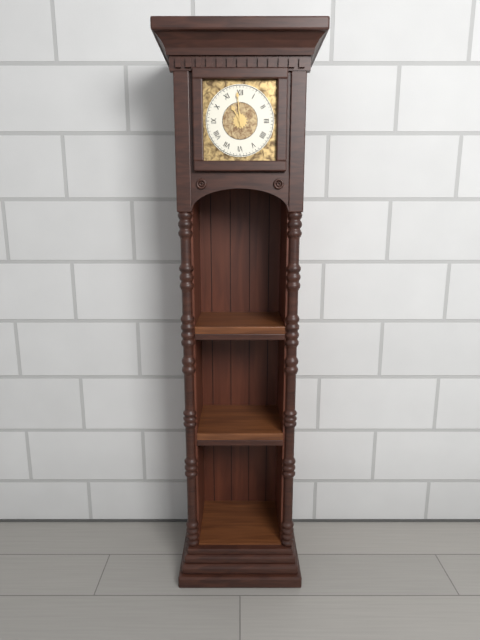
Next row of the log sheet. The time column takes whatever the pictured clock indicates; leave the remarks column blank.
10:59
